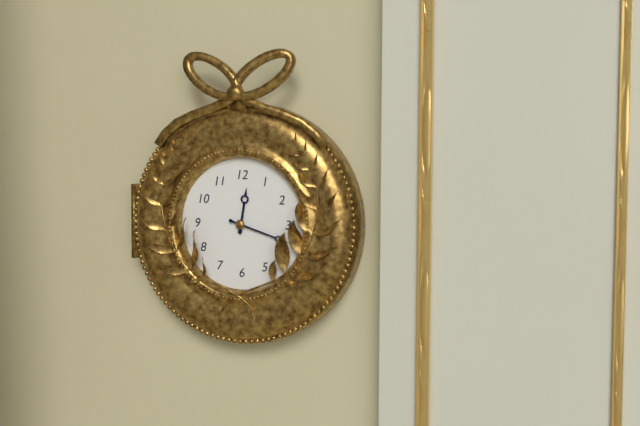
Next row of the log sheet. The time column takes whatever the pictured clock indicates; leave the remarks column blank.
12:18
